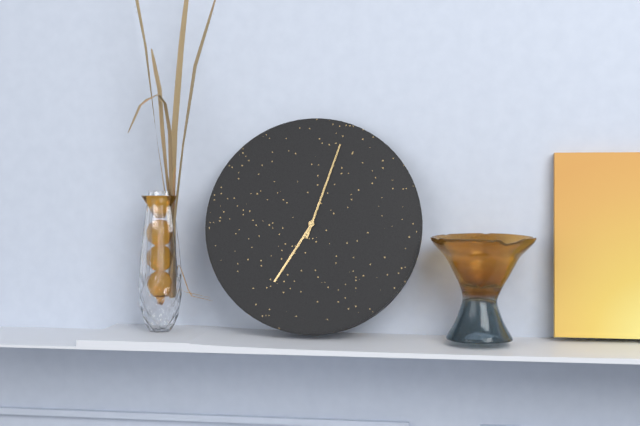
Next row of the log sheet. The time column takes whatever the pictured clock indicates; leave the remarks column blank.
7:03
